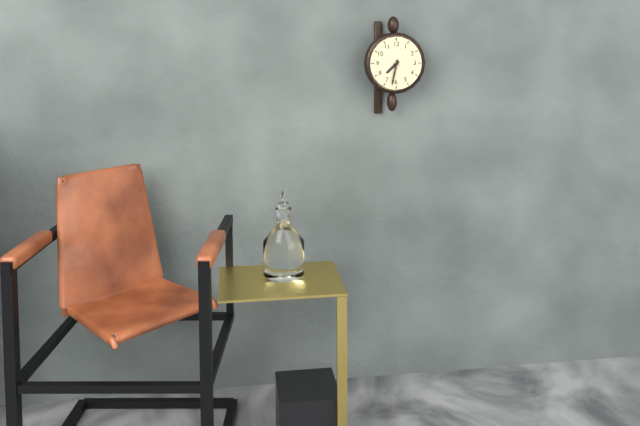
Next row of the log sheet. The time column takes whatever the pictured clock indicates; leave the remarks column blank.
7:32
